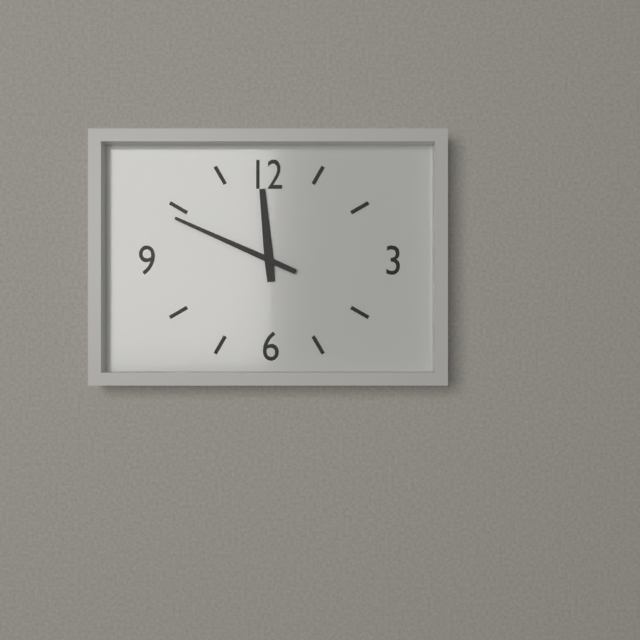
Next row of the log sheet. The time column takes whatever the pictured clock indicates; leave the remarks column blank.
11:49
